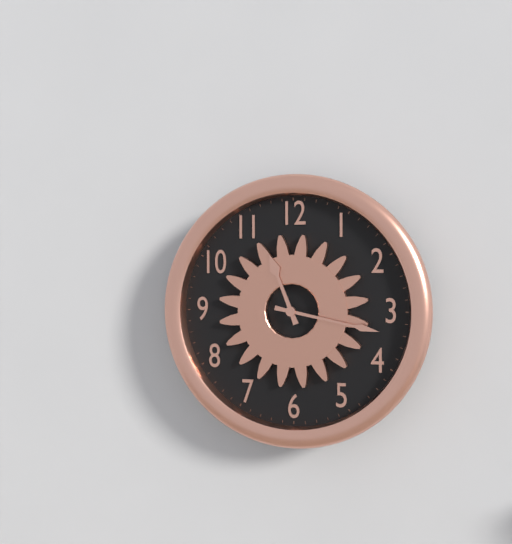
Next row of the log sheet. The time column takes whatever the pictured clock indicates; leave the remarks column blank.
11:17
